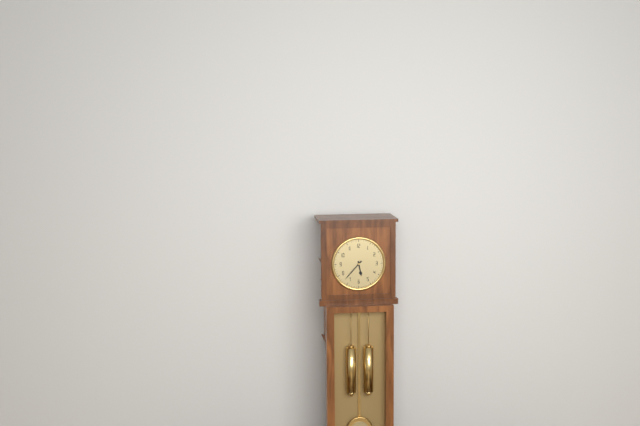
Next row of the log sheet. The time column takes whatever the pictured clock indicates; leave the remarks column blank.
5:37
